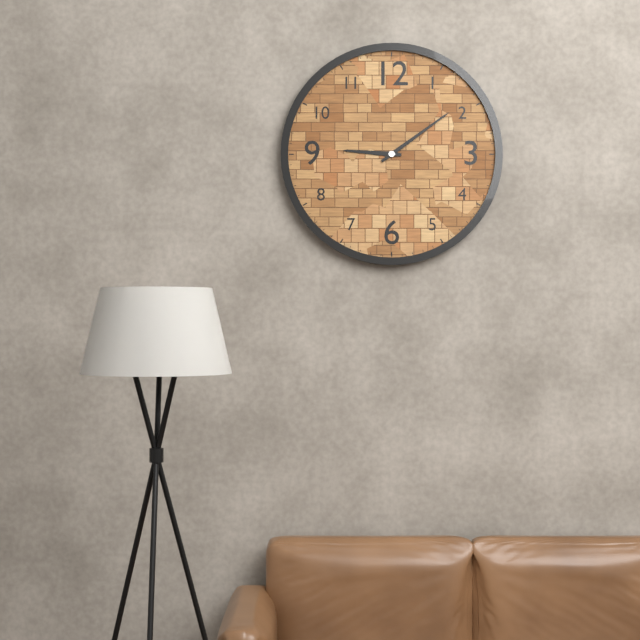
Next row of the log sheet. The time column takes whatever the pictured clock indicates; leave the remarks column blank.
9:09
